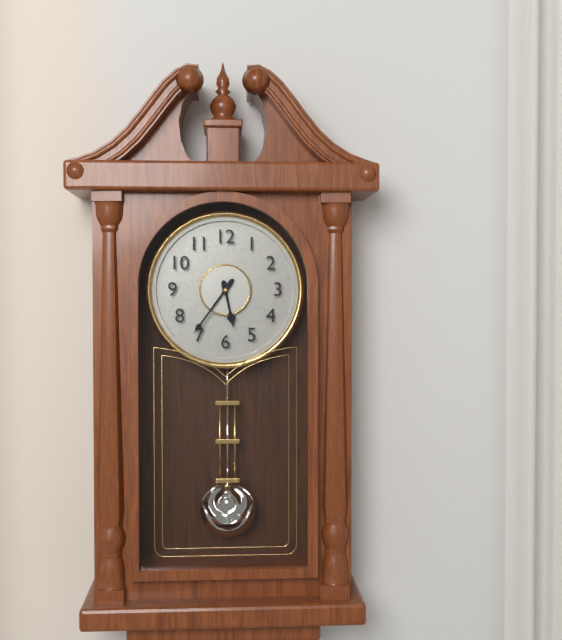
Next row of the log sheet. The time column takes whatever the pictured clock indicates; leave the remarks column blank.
5:36
